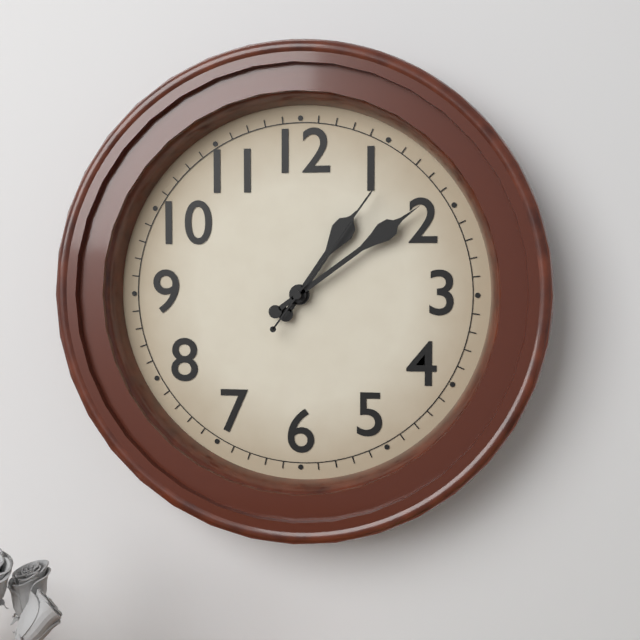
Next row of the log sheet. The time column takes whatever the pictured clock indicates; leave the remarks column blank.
1:09:06
